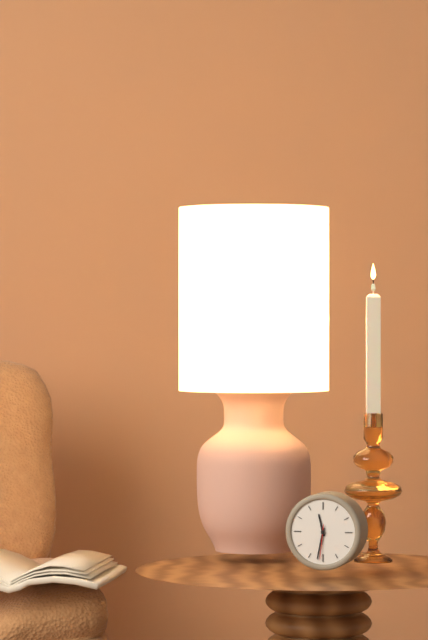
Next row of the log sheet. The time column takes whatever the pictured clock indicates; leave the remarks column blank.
11:32
